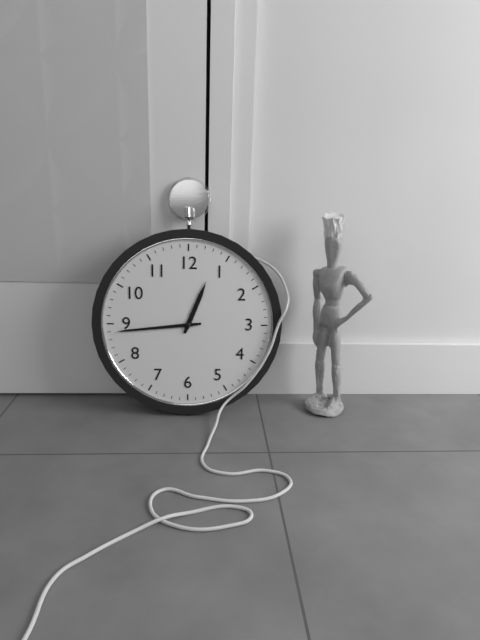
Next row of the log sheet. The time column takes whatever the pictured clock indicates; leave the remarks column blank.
12:44
